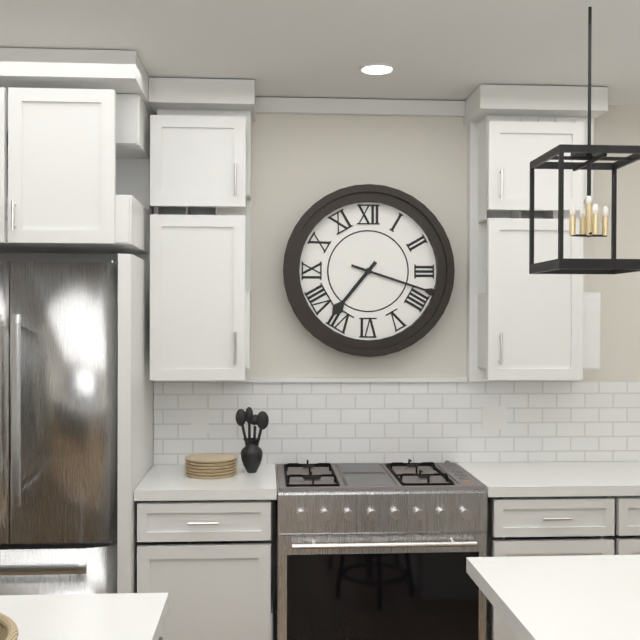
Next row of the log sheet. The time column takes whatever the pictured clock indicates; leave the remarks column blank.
7:18
